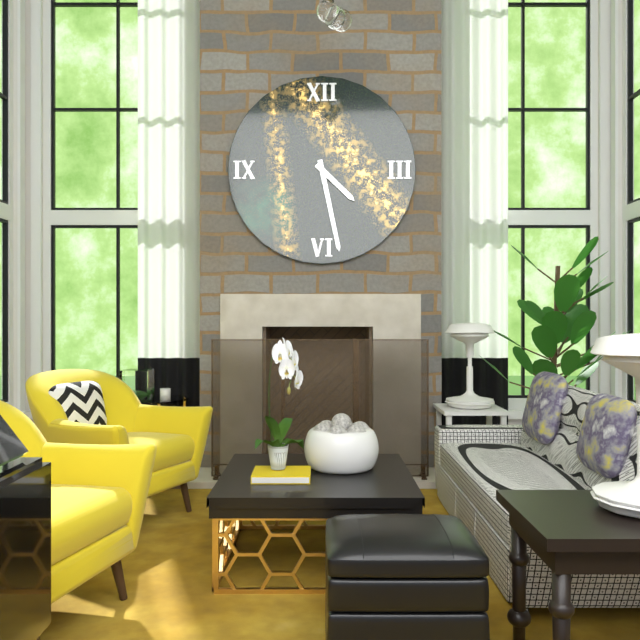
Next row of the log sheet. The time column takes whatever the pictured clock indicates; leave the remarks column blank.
4:28
